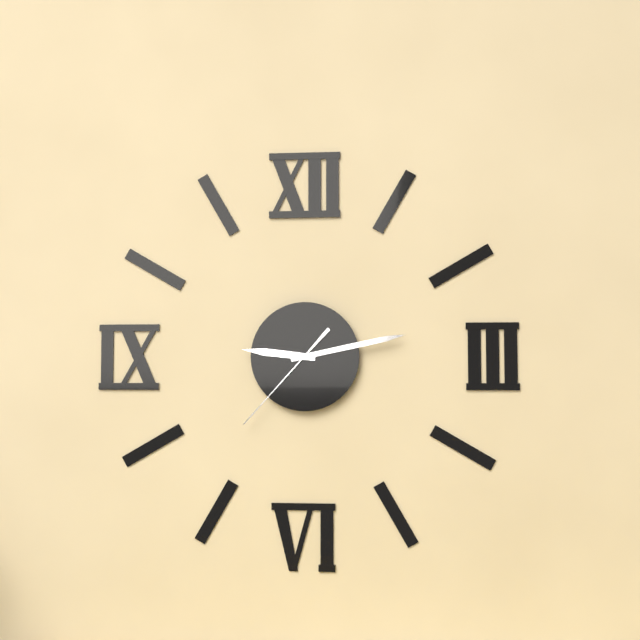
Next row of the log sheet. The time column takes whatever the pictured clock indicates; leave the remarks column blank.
9:13:37
